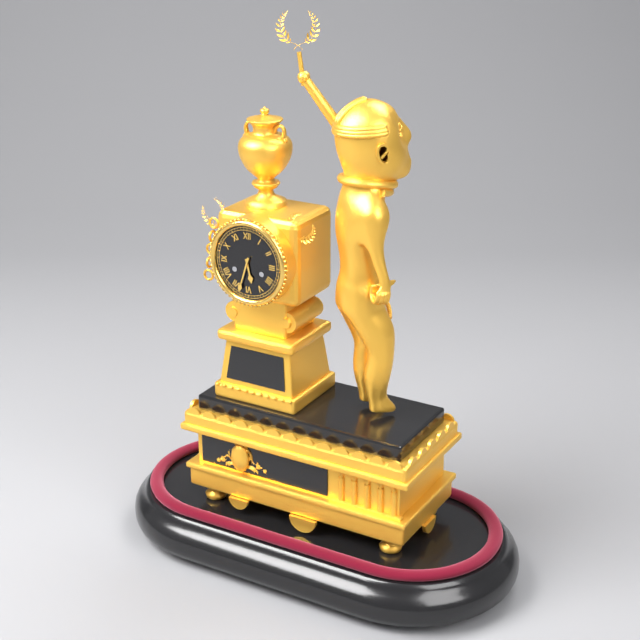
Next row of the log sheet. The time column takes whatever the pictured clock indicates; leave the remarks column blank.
5:33
